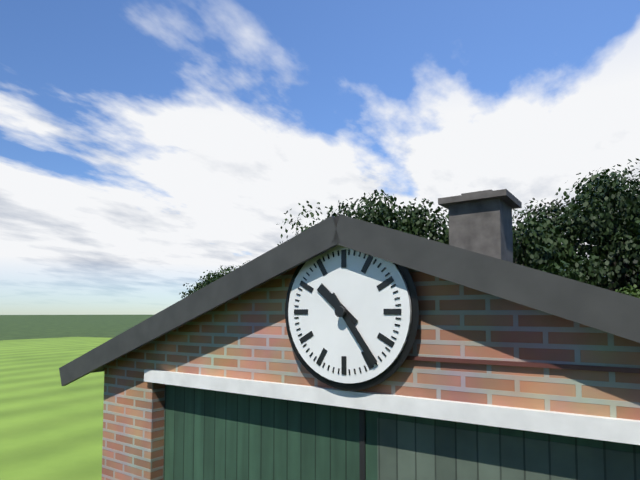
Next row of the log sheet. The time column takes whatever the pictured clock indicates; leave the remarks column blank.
10:24
